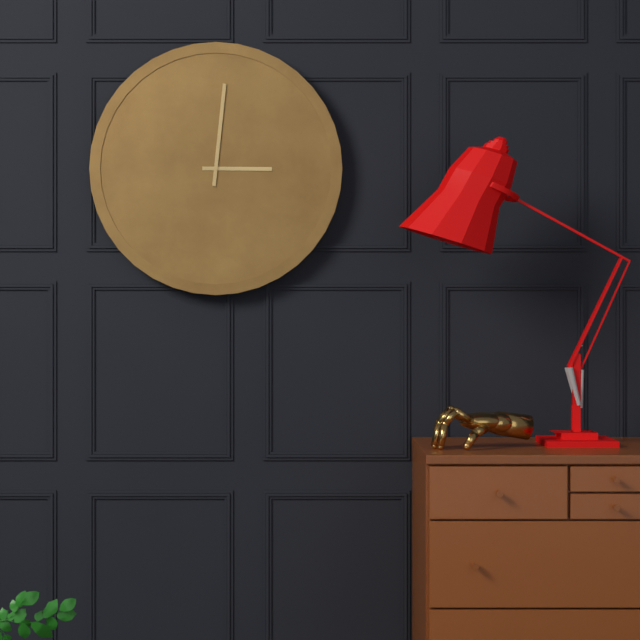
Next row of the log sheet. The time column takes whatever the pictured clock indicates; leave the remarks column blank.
3:01
